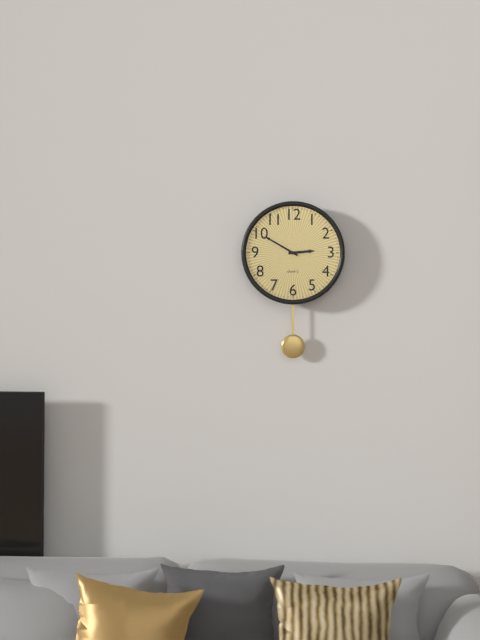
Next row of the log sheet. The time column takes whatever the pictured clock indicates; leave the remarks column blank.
2:50
